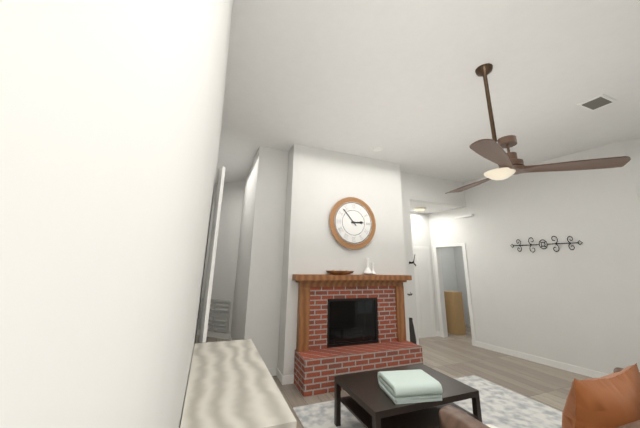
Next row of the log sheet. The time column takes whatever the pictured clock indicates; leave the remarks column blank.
2:53
